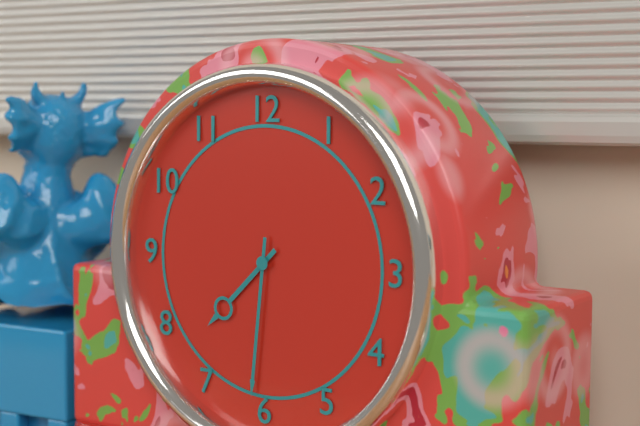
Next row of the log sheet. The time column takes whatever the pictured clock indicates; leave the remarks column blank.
7:31
